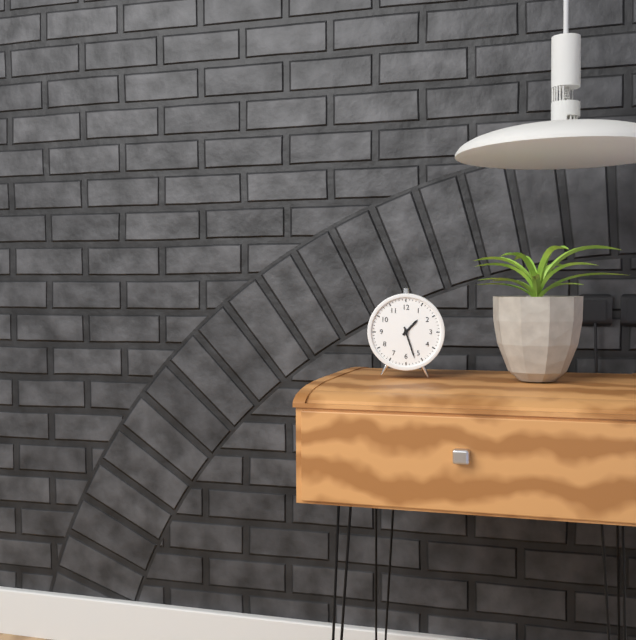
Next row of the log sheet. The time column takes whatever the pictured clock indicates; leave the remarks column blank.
1:27
